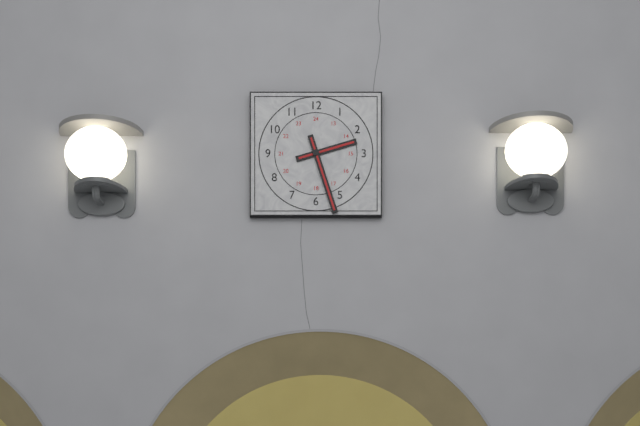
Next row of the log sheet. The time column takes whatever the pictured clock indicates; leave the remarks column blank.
2:27
